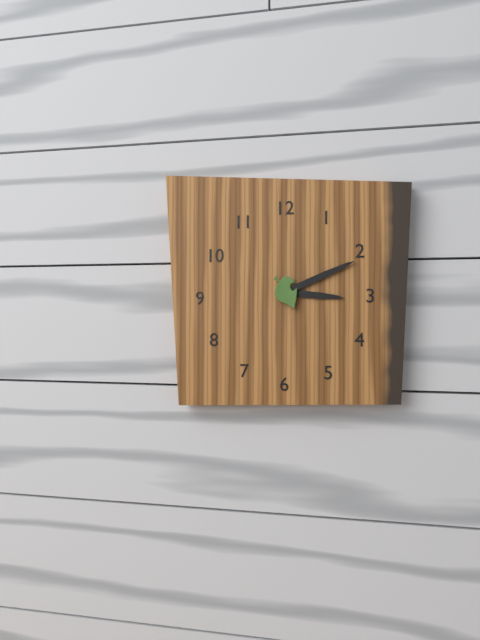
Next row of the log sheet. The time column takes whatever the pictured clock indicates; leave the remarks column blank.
3:11
